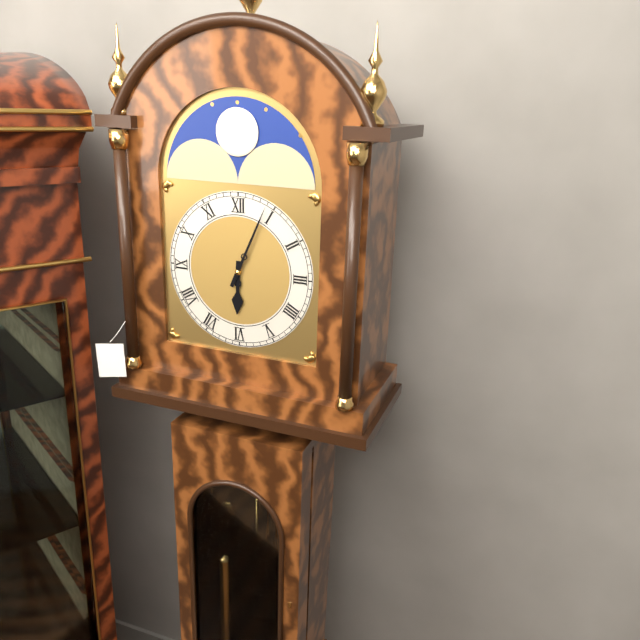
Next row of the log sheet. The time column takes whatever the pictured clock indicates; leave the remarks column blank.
6:04
